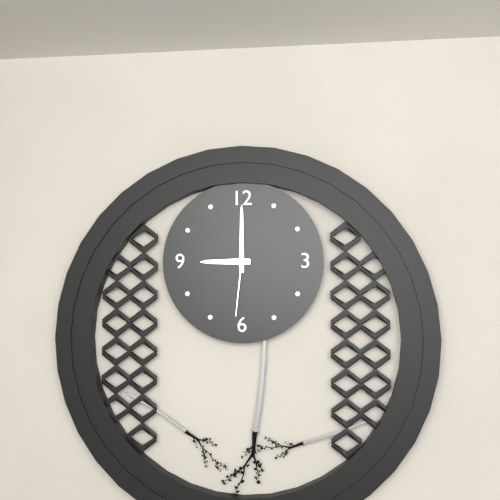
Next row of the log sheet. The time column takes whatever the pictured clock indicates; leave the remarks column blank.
9:00:31
